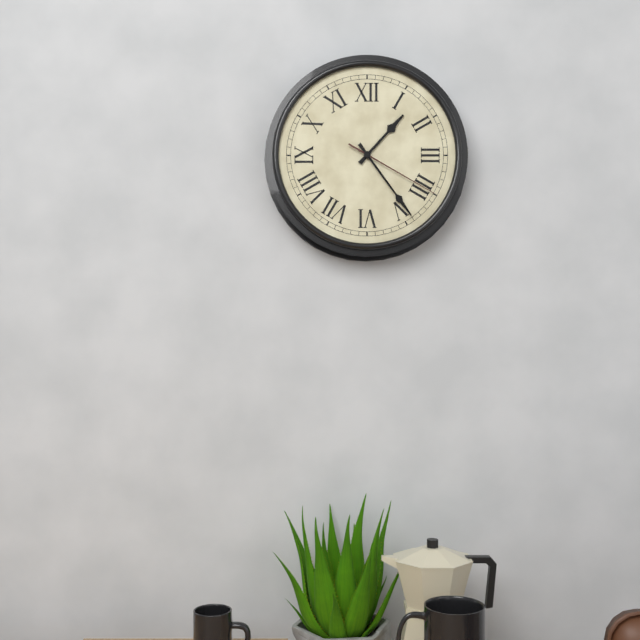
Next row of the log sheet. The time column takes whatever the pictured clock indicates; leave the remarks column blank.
1:24:20
